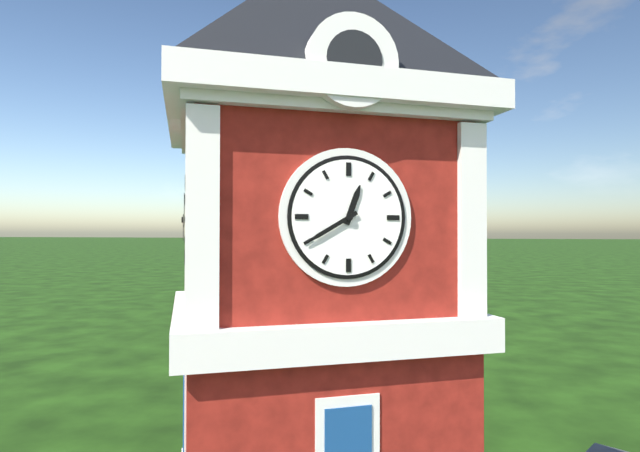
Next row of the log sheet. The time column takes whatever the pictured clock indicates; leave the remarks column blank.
12:40
